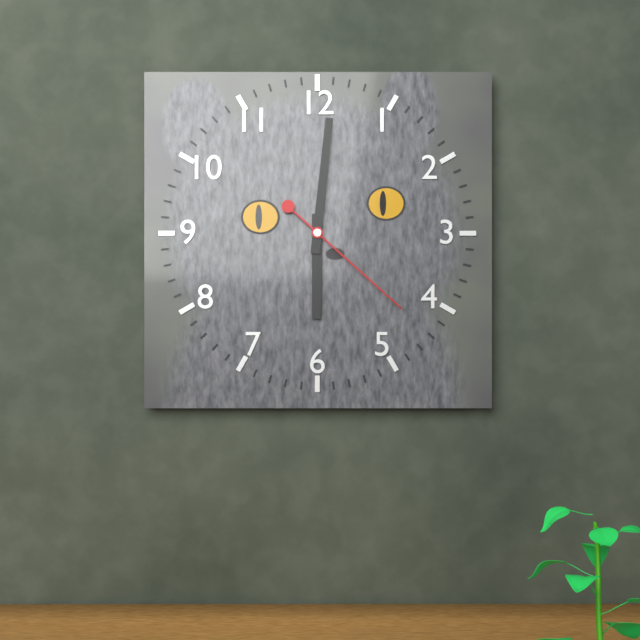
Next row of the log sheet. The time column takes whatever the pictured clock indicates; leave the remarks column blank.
6:01:22
